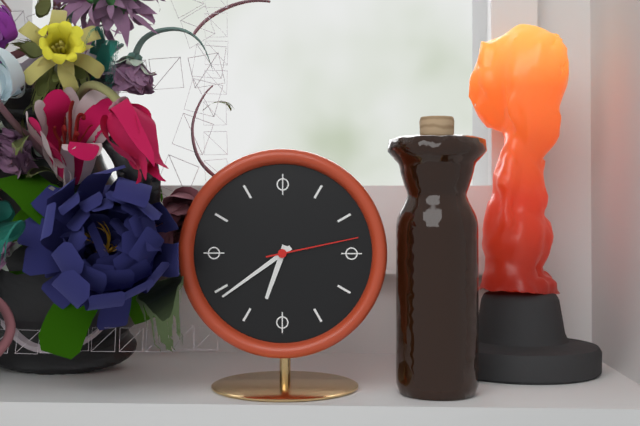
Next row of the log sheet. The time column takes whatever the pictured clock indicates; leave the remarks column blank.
6:39:13
